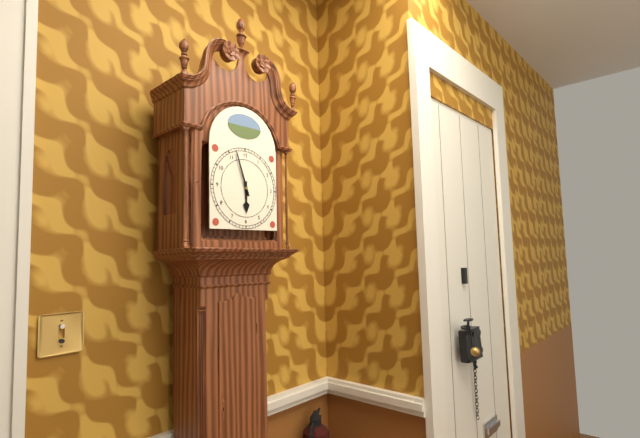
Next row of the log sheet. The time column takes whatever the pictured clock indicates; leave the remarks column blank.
5:57
